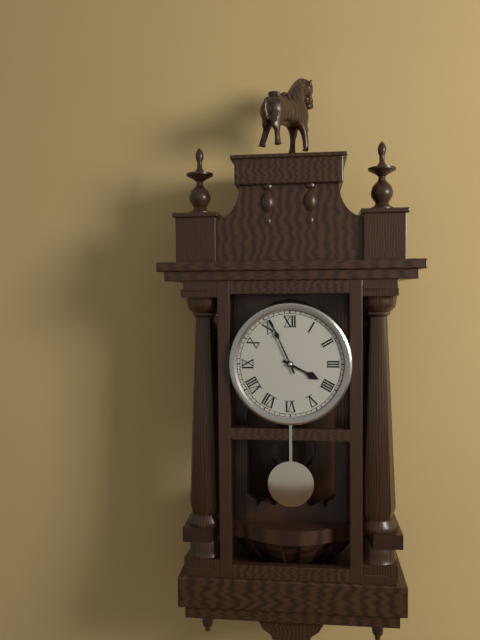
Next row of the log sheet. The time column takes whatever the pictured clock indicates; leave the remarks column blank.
3:56
